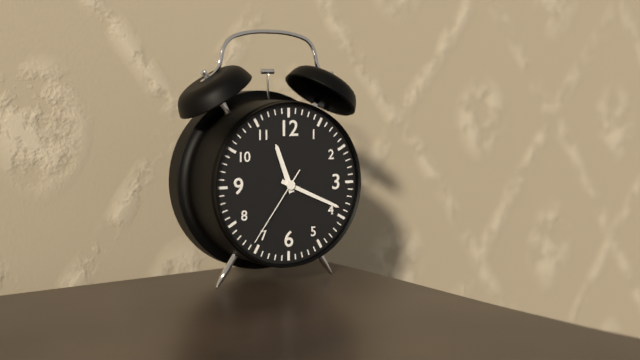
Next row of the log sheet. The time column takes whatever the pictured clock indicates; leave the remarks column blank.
11:19:36
